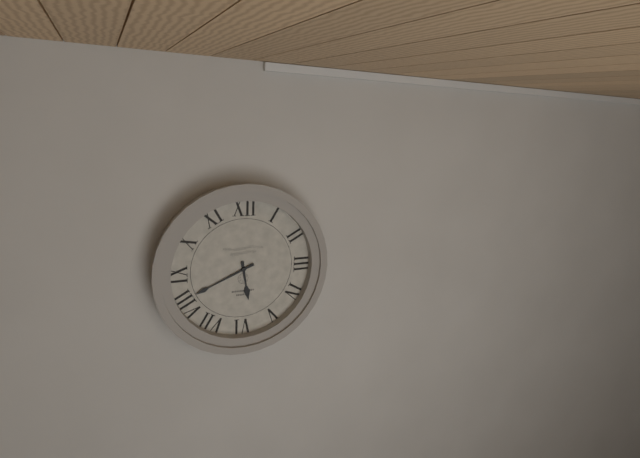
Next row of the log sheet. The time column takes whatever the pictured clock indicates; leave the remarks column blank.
5:41
